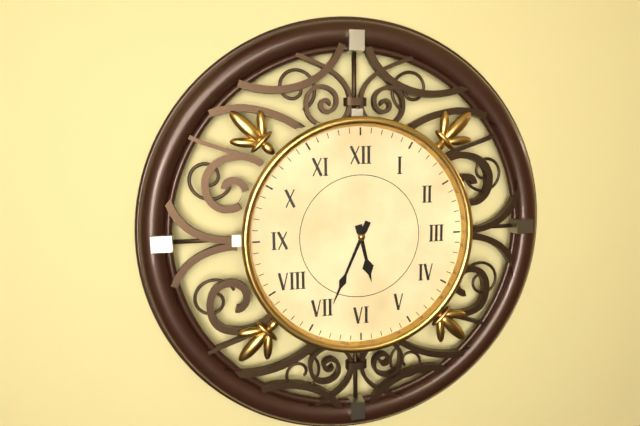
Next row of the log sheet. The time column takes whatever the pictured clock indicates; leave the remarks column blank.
5:34
